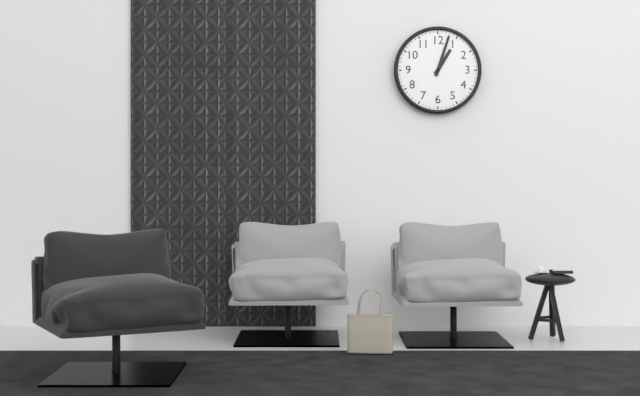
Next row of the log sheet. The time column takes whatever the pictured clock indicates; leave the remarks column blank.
1:03
